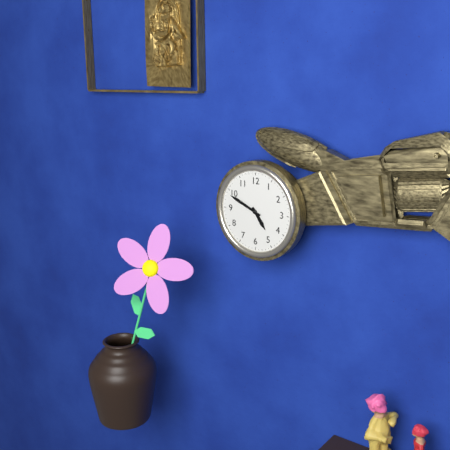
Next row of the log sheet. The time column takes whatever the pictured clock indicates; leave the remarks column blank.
4:49
